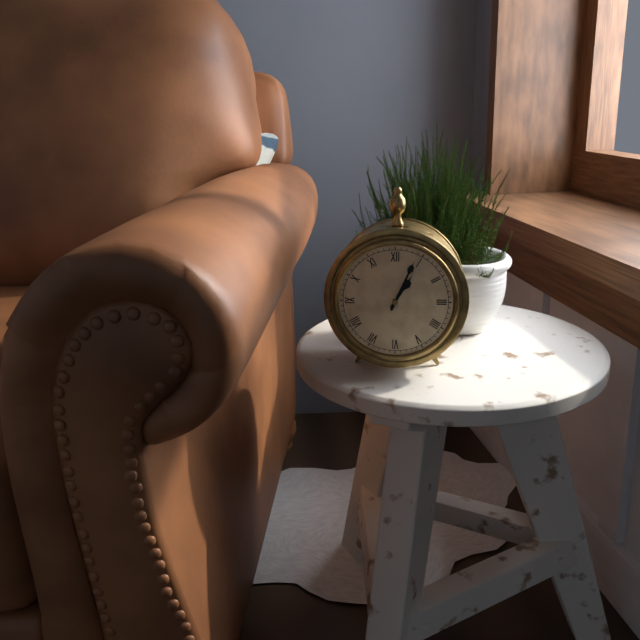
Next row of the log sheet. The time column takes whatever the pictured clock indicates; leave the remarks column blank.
1:04
